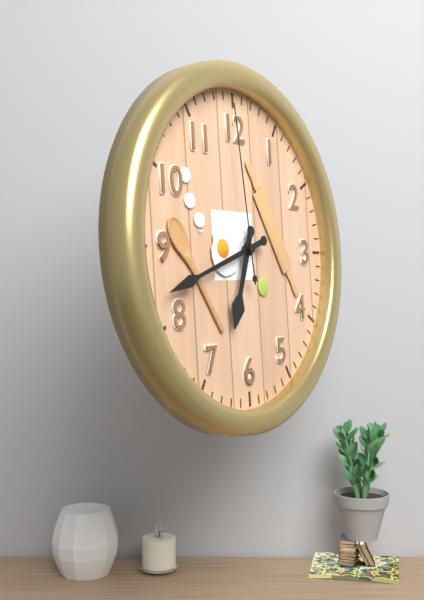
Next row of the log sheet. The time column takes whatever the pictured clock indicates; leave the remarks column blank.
6:42:59
